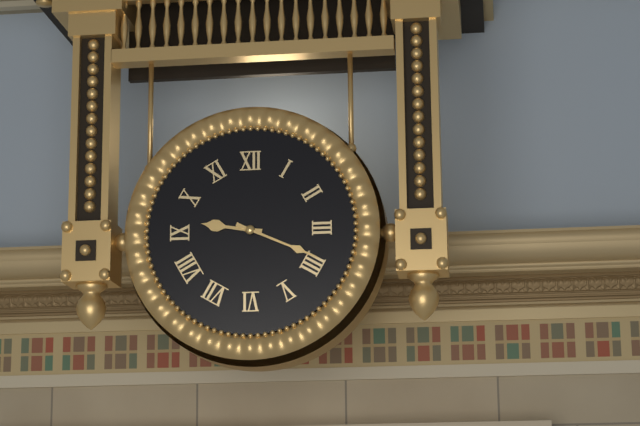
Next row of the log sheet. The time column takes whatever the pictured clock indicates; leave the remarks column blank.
9:19
